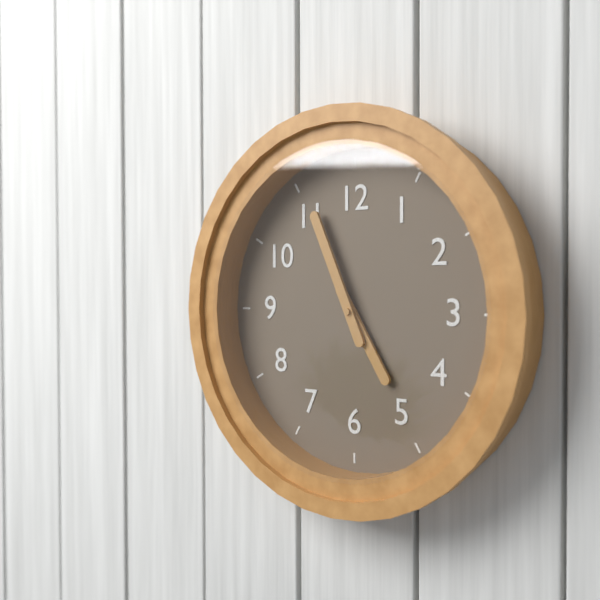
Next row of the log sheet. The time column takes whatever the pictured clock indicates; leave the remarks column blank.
4:56
